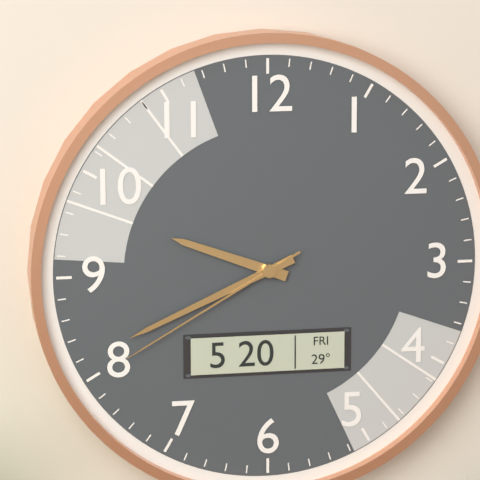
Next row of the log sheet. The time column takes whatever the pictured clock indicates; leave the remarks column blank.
9:41:40
